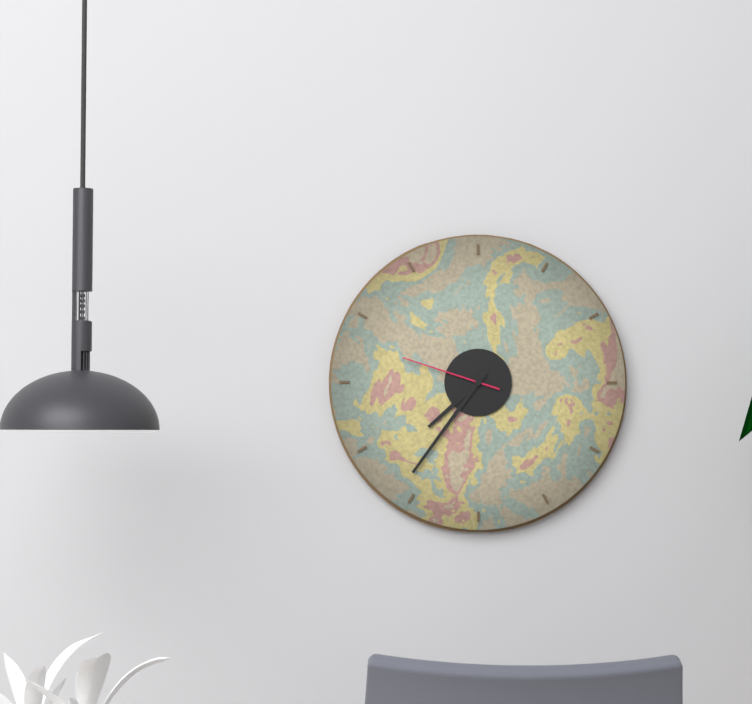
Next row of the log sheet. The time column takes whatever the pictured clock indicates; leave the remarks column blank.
7:36:48
